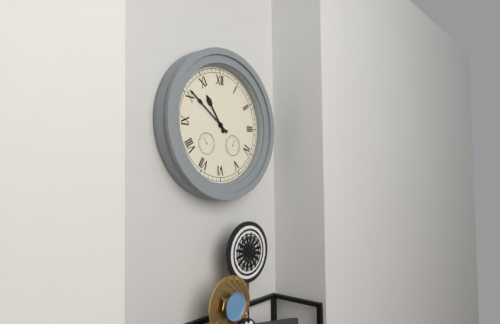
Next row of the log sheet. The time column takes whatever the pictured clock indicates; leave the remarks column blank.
10:51
